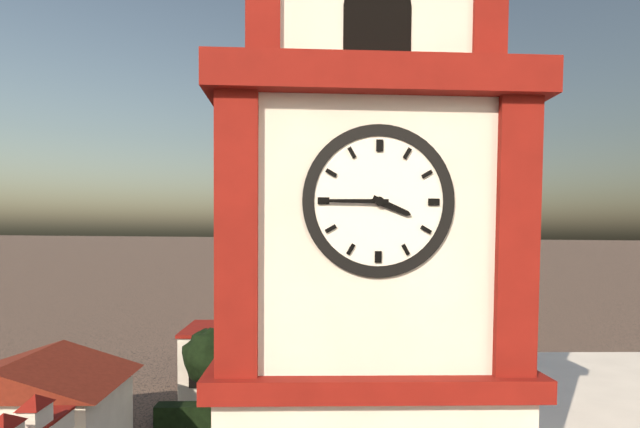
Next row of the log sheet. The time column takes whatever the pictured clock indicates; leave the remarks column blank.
3:45
